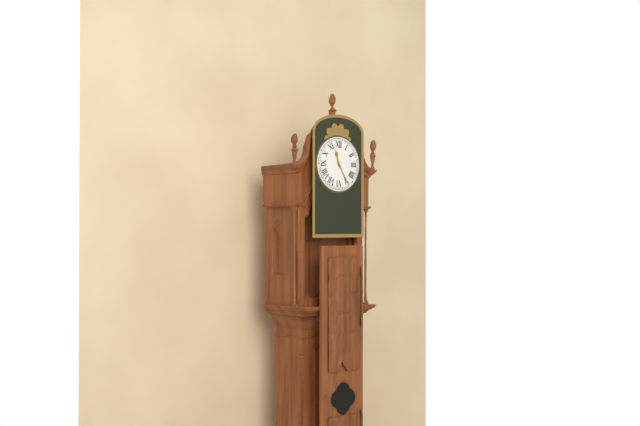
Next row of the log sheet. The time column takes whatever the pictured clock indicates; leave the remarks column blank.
11:25
